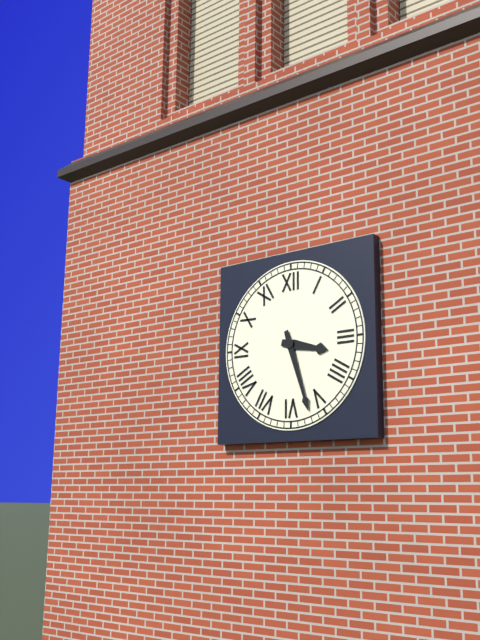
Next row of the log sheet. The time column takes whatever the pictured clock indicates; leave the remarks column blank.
3:27
